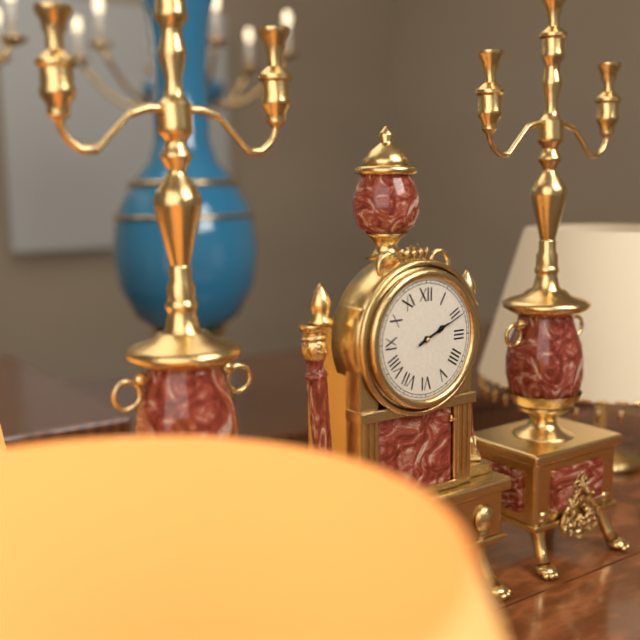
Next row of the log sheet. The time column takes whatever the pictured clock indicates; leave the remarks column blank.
2:11
